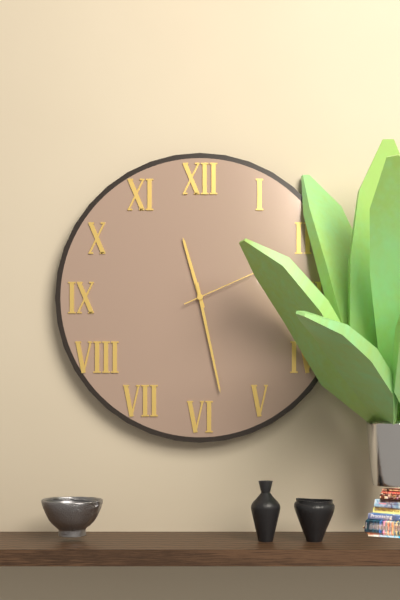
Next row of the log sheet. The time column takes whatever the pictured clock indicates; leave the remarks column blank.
11:28:11
